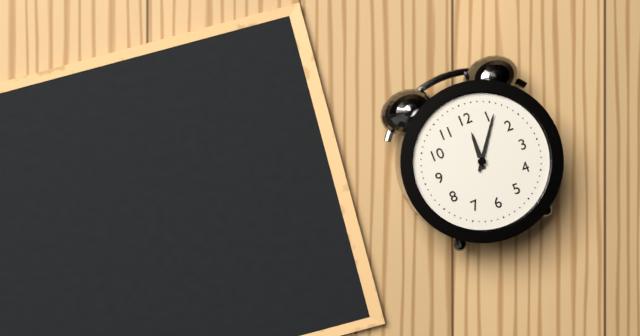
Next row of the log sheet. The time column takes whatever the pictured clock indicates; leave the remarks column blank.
12:06
